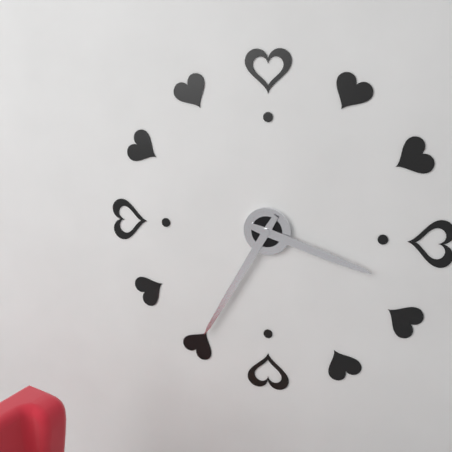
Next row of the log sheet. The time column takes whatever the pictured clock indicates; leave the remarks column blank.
3:35
